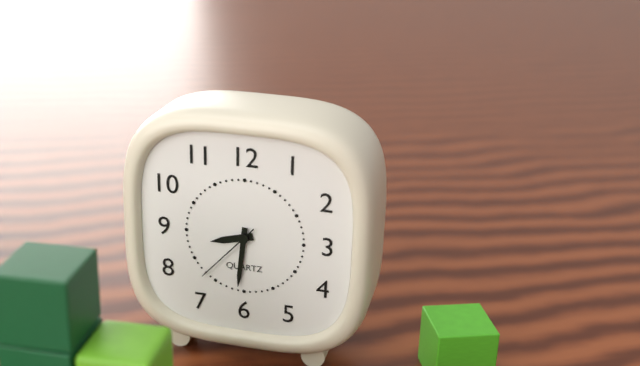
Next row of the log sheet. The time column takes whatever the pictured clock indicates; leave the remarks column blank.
8:31:37
